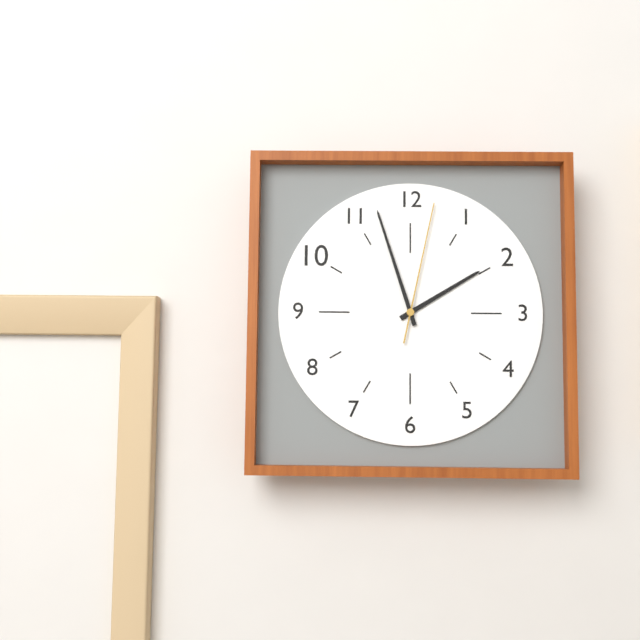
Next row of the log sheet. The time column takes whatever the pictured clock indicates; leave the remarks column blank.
1:57:02
